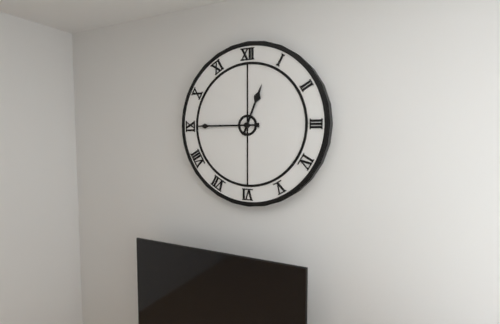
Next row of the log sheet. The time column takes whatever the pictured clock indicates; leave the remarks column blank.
12:45
